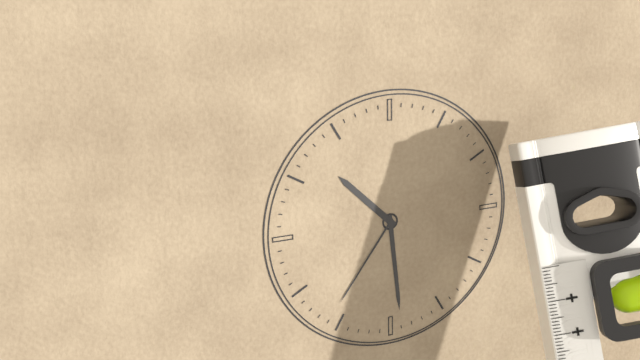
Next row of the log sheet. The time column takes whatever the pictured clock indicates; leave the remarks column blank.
10:29:36
